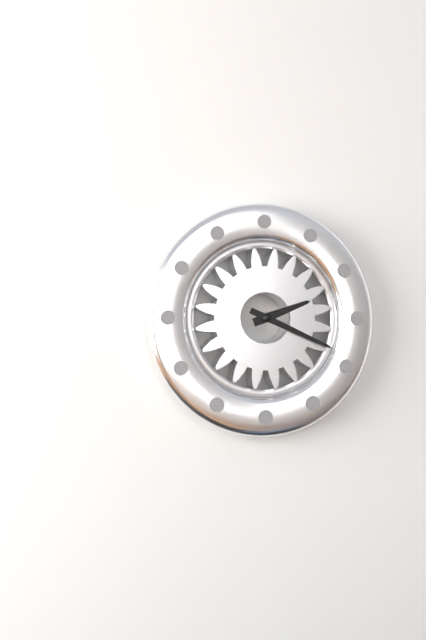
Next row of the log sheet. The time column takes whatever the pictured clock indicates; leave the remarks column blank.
2:19
